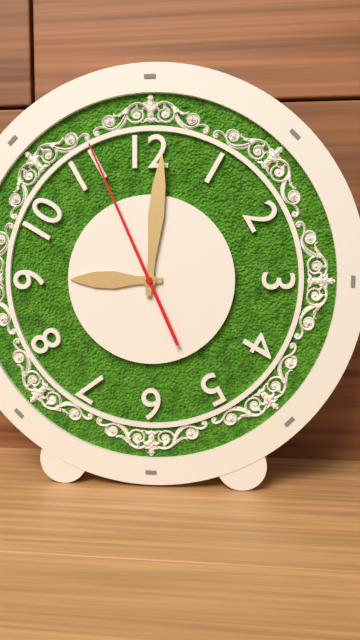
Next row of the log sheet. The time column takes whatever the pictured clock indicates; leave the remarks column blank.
9:01:56
